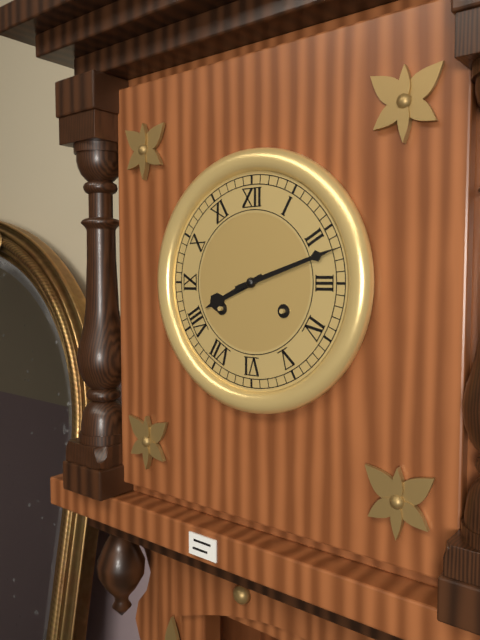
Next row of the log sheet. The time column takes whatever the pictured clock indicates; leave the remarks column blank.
8:12
